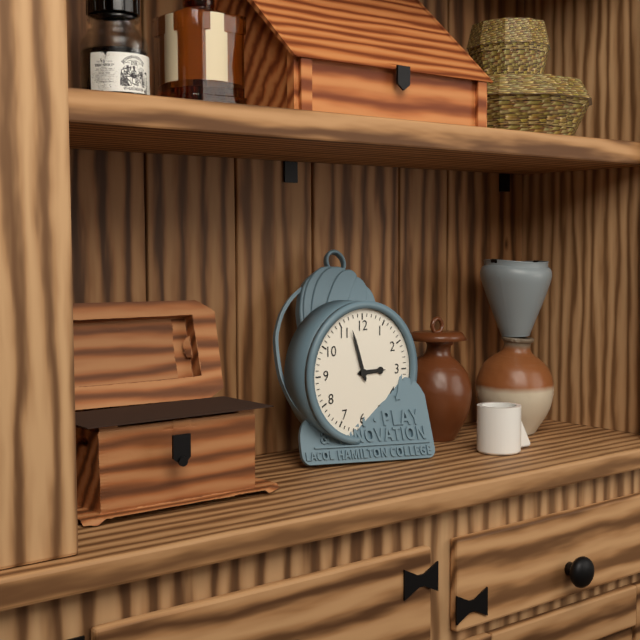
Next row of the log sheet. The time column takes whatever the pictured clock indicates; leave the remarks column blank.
2:57
